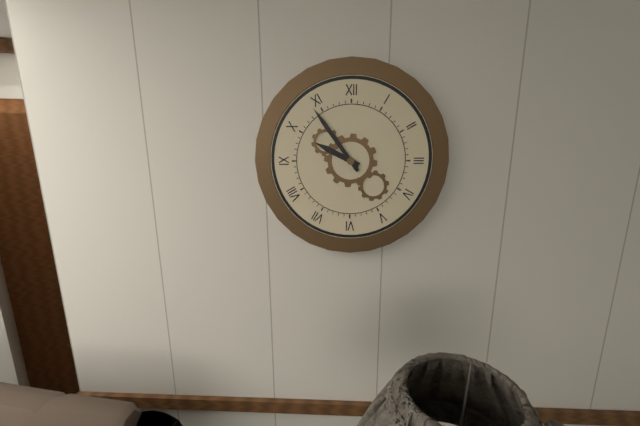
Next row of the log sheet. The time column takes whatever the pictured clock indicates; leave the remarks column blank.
9:54
